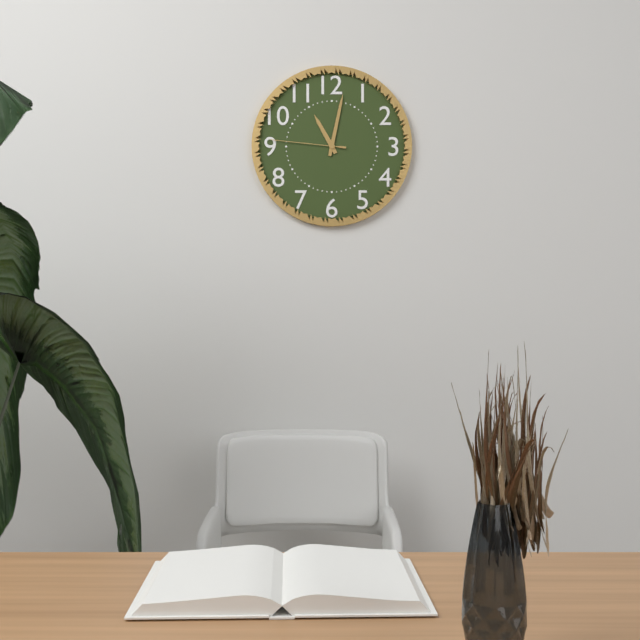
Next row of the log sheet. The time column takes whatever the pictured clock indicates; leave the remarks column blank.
11:02:46
